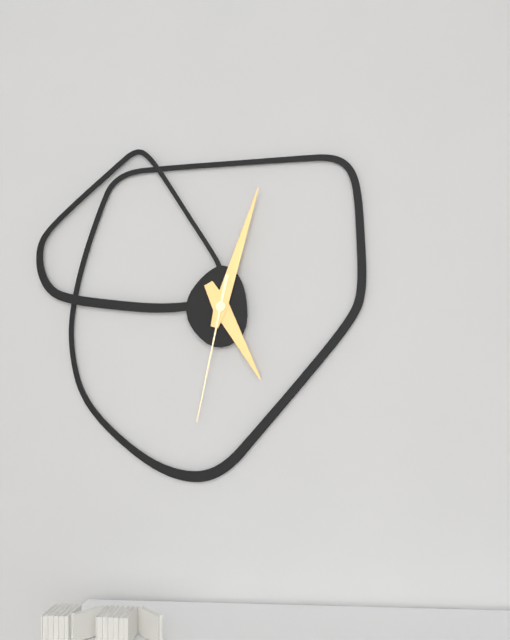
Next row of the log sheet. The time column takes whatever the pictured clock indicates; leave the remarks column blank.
5:03:32
